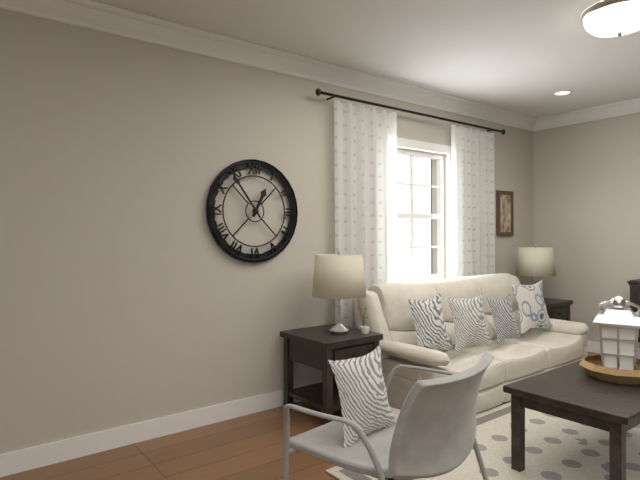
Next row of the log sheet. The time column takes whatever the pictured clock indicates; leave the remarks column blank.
12:54
